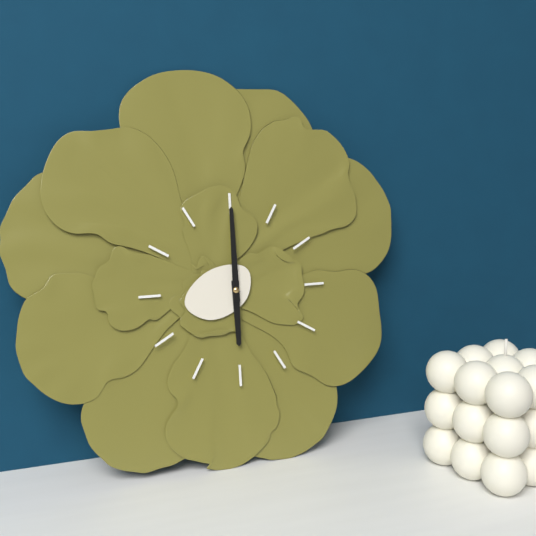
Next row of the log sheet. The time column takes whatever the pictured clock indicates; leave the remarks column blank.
6:00
